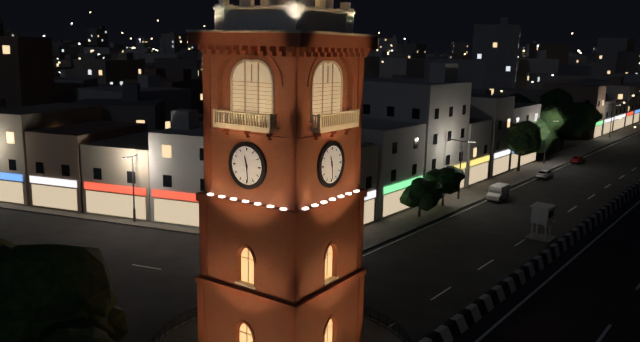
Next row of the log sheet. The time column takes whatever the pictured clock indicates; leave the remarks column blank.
11:29
